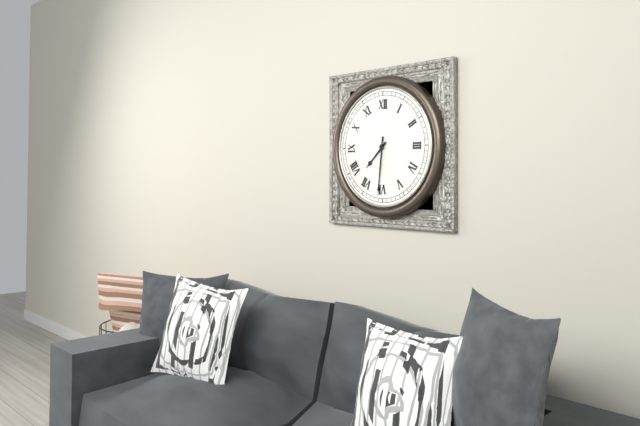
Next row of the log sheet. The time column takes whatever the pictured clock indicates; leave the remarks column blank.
7:31
